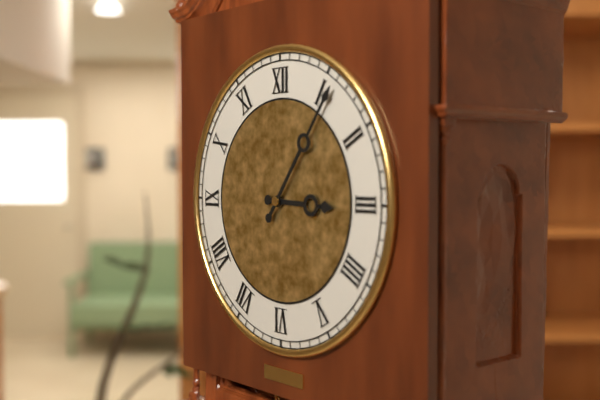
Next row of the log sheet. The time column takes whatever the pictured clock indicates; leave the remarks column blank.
3:06
